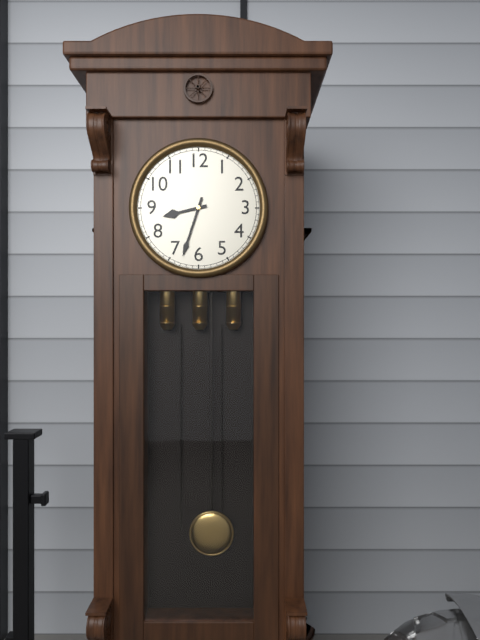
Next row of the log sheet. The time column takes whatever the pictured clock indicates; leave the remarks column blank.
8:33
